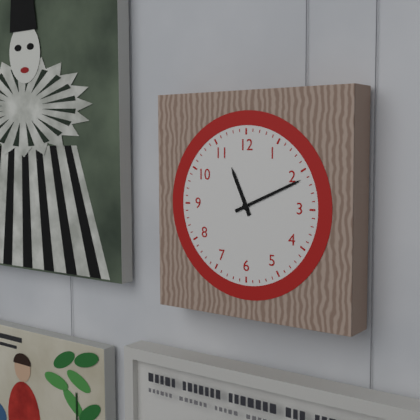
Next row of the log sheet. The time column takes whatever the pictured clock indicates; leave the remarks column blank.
11:11
